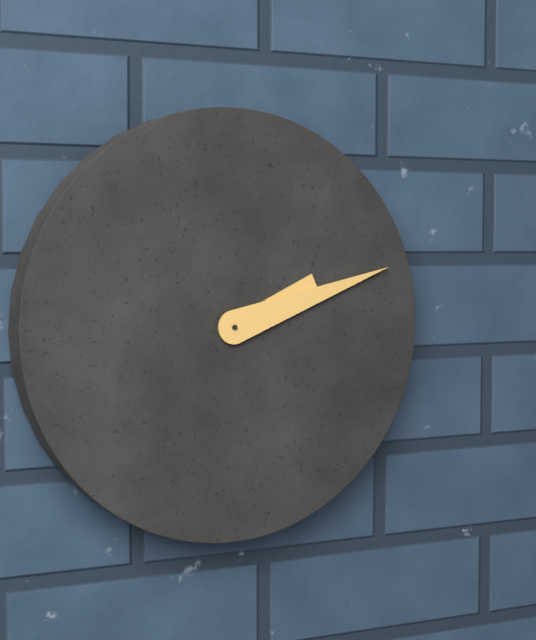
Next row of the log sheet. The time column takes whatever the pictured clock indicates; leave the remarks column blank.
2:12
